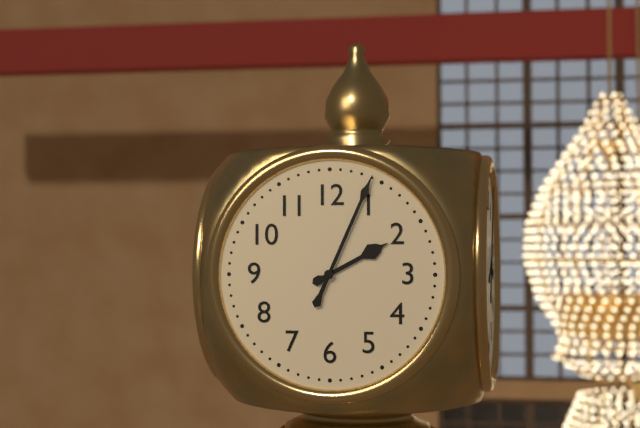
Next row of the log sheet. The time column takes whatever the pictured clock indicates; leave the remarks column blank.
2:04
